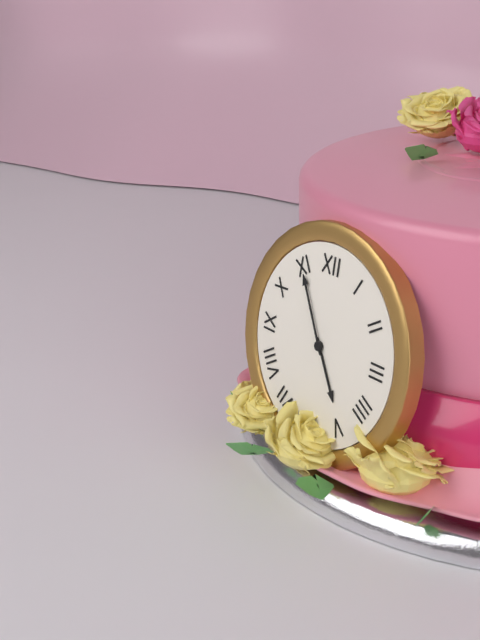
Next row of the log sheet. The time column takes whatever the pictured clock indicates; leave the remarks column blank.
4:55
